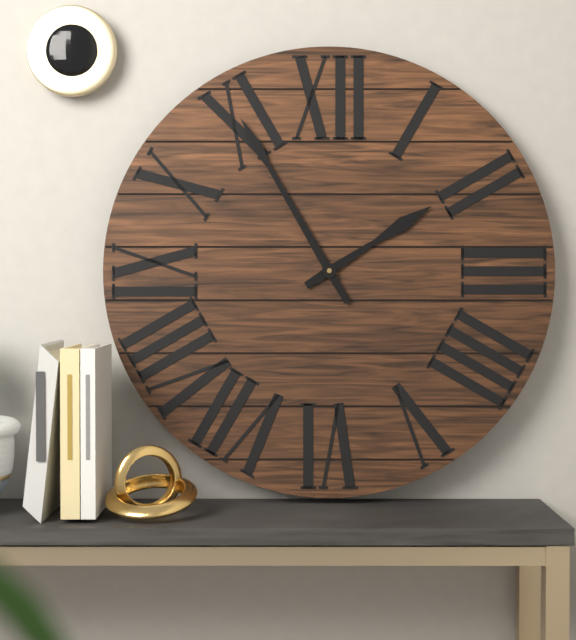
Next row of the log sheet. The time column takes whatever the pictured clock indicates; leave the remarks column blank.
1:55
